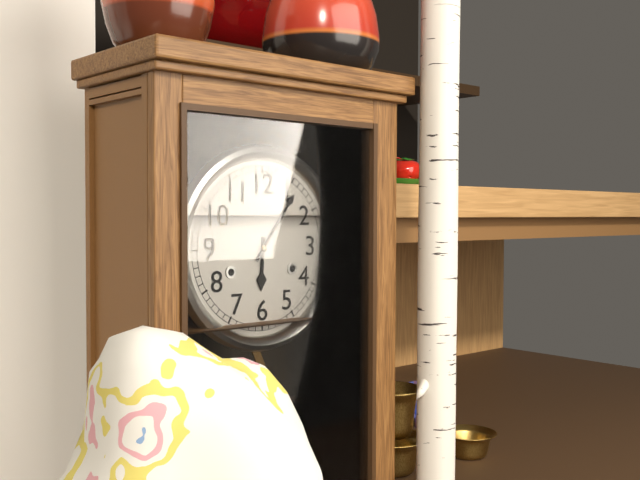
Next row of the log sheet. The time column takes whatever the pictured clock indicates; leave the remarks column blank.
6:06
